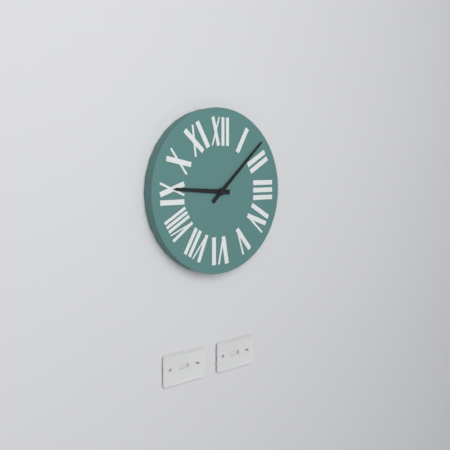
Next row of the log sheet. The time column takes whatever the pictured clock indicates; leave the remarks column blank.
9:08
